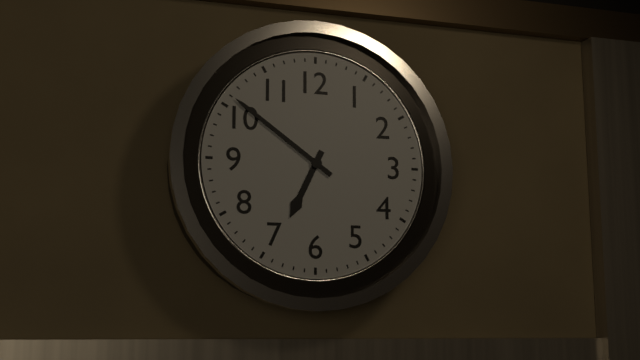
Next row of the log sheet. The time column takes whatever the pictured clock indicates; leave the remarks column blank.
6:51
